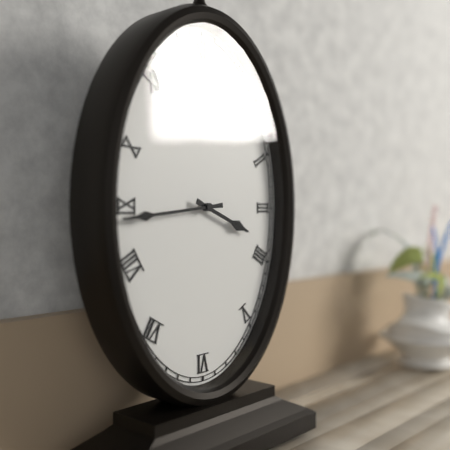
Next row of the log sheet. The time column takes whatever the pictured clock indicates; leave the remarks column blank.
3:44
